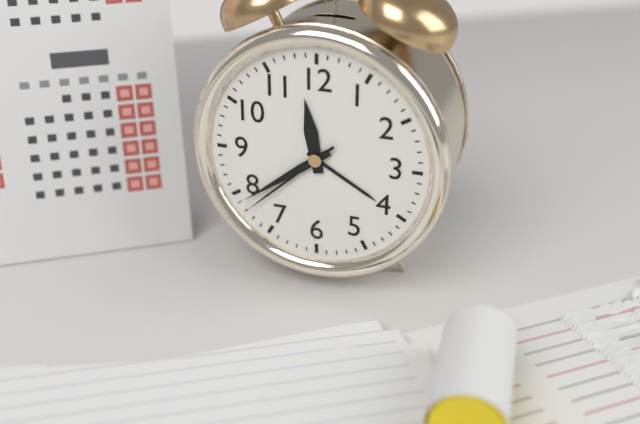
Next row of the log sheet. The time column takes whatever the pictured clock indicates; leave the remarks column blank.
11:39:38
